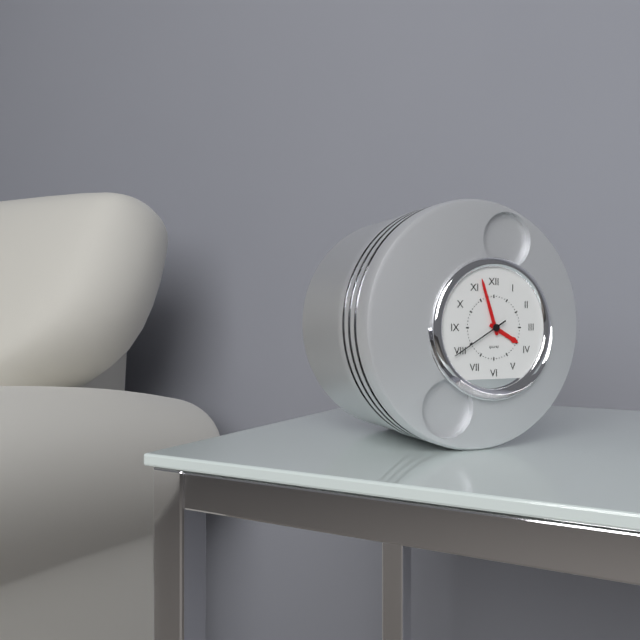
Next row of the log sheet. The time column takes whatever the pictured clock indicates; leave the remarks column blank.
3:57:40
